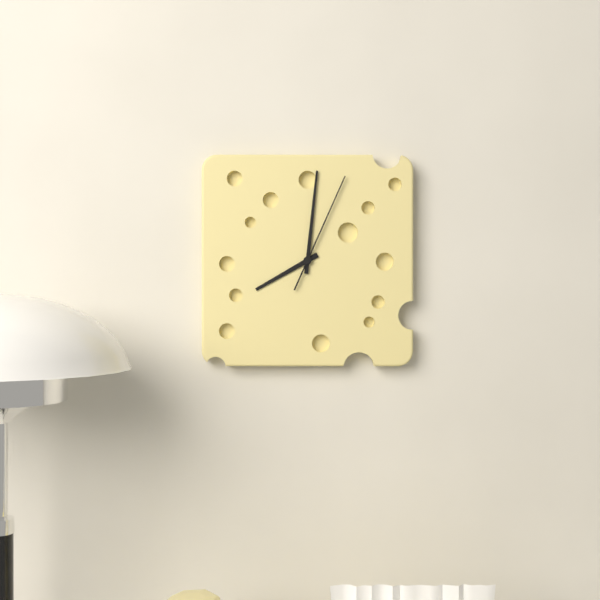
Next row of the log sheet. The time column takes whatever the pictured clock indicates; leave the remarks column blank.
8:01:04
